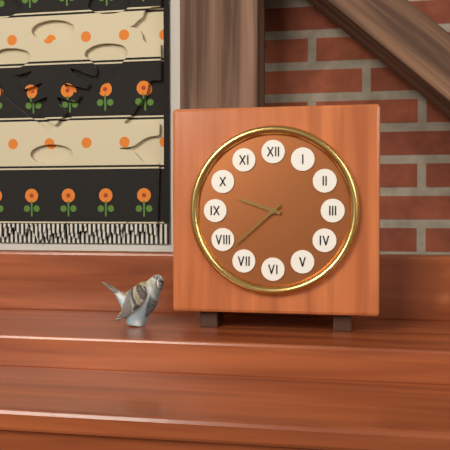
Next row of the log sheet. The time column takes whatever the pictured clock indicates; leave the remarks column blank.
9:38
